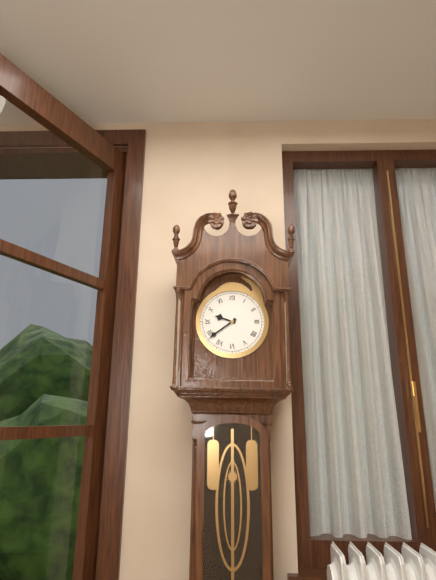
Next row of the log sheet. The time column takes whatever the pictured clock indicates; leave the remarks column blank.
9:39
